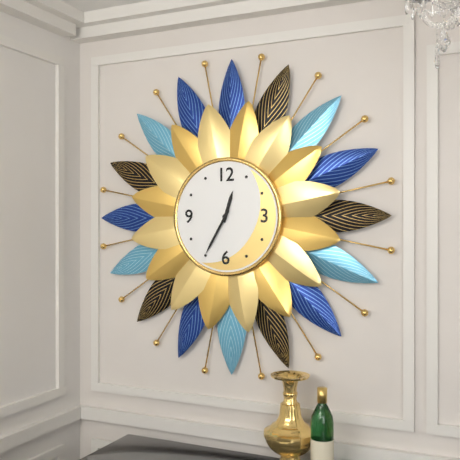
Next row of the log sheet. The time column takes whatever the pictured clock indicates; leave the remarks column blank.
12:35
